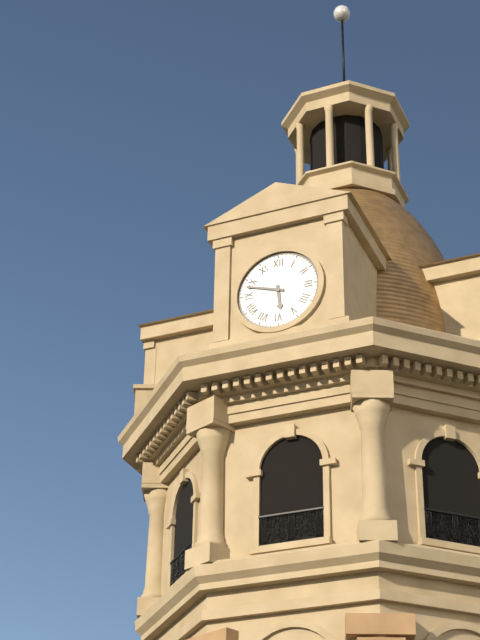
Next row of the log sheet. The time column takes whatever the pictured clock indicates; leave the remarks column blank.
5:48
